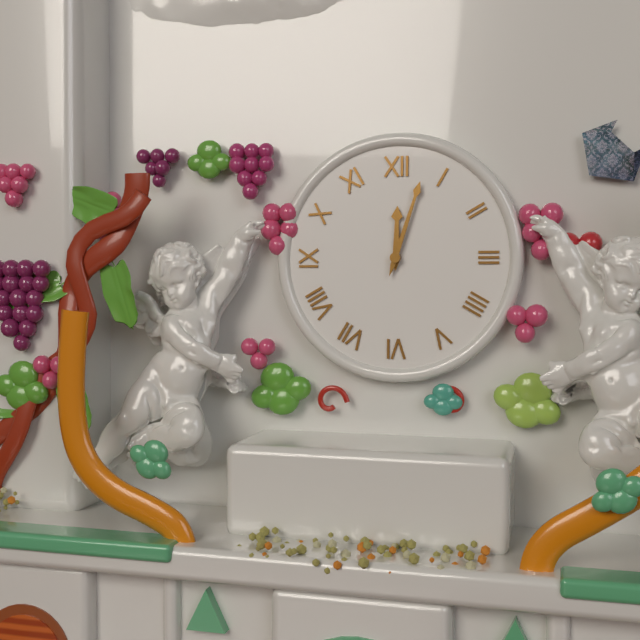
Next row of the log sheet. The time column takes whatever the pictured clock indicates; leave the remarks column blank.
12:03
